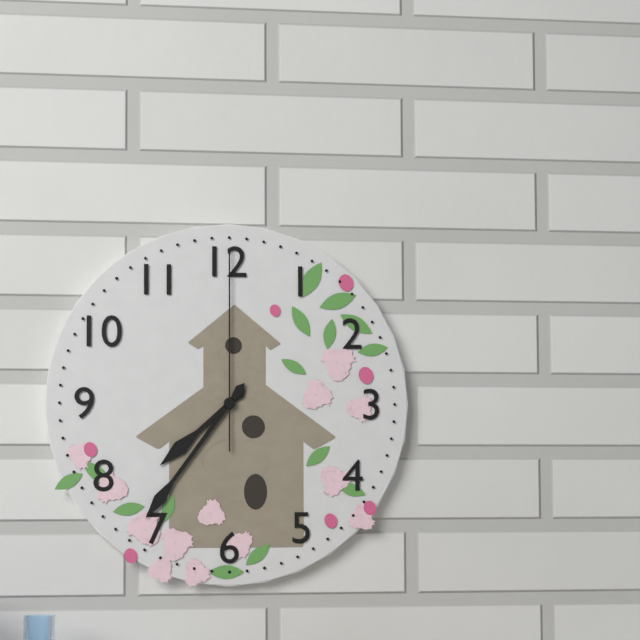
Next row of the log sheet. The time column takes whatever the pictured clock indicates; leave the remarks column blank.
7:36:00
